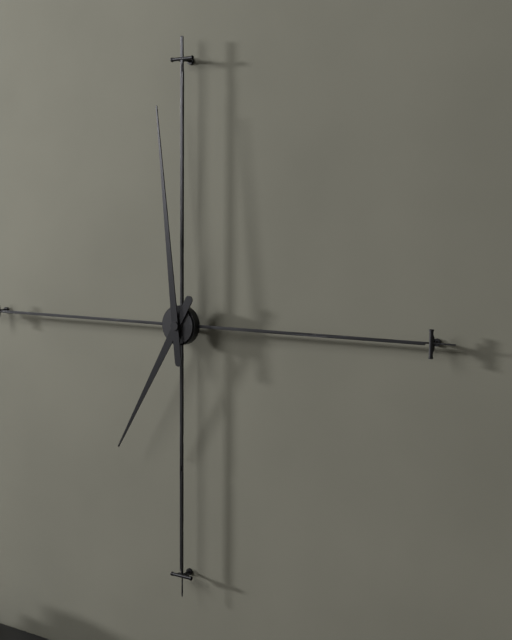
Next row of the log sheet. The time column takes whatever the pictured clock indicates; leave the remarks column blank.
6:59
